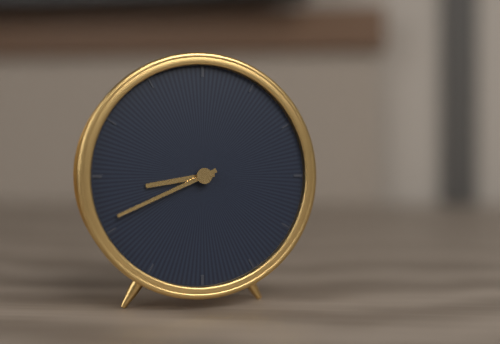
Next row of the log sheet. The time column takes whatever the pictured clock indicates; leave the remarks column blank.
8:41
